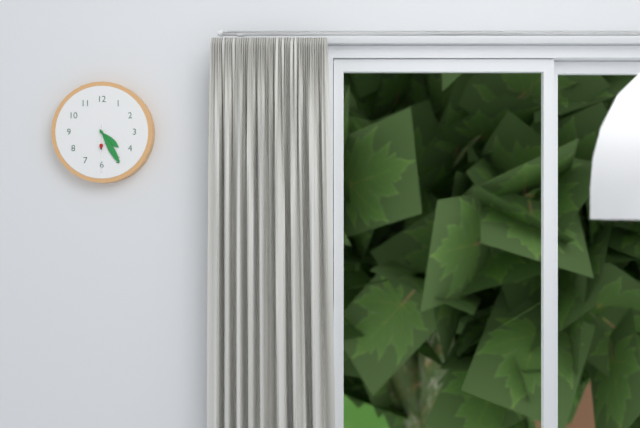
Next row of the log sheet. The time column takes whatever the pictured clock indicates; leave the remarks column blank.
4:25:30
